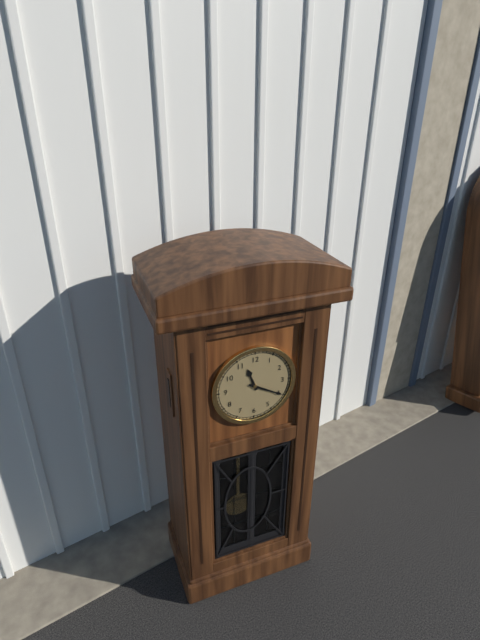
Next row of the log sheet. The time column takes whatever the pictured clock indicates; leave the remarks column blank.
11:20
